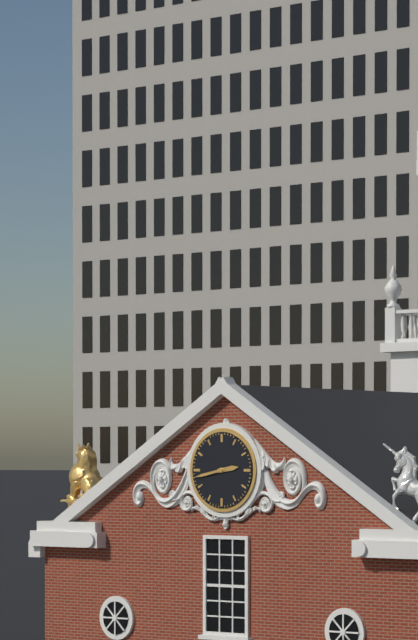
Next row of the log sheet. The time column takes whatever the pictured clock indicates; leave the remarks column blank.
2:43
